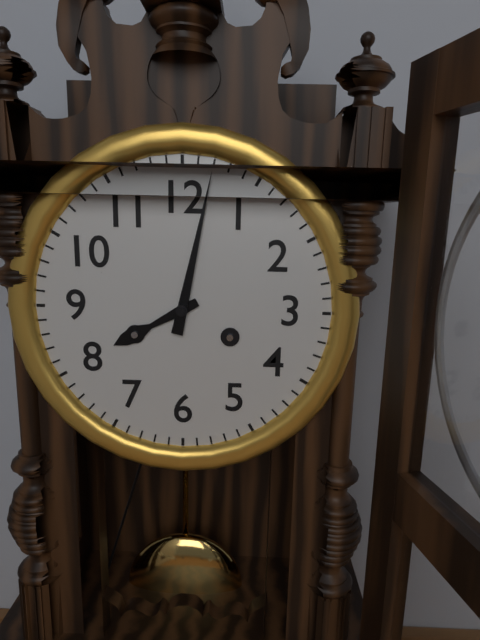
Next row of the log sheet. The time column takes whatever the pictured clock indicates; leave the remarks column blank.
8:02
